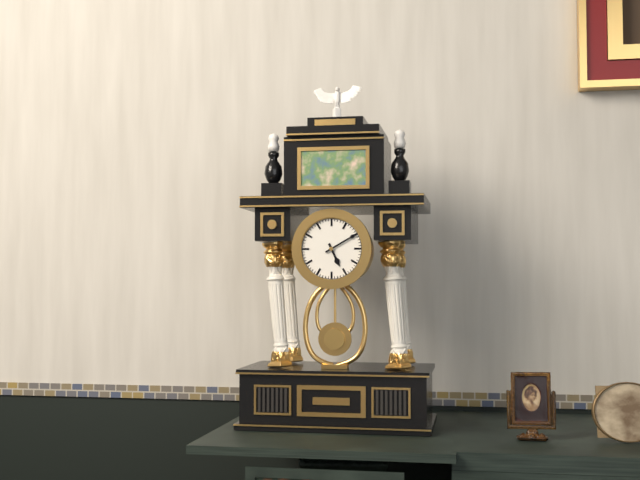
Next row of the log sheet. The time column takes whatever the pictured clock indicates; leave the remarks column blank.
5:10
